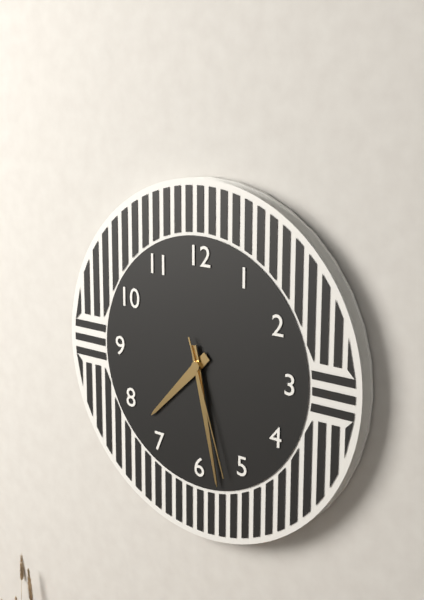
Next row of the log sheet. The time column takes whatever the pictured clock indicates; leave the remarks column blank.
7:28:27
